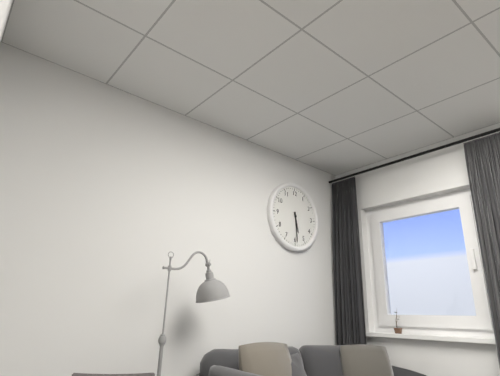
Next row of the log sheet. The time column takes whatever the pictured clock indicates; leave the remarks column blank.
5:29
